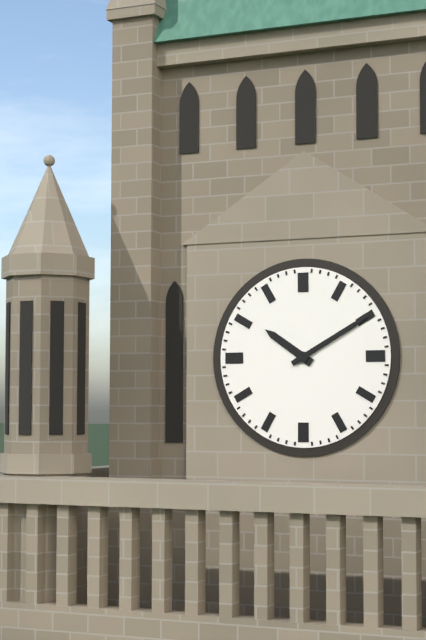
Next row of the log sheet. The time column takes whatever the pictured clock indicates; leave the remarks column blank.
10:10
